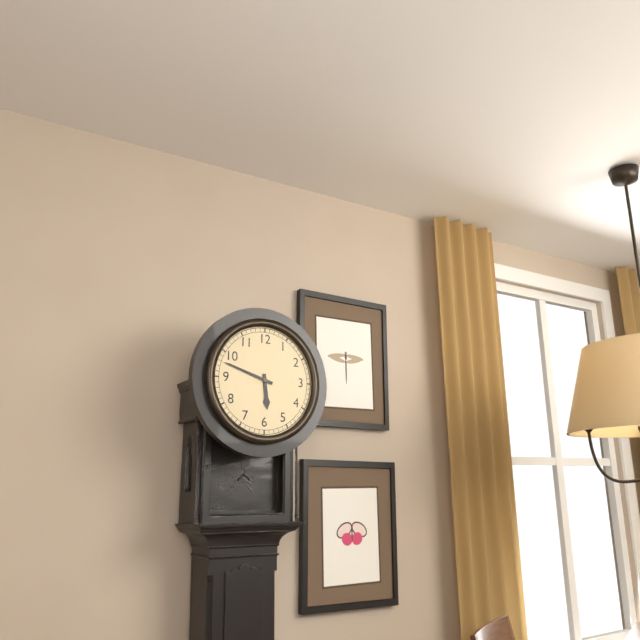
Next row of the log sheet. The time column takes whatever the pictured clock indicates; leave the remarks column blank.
5:48
